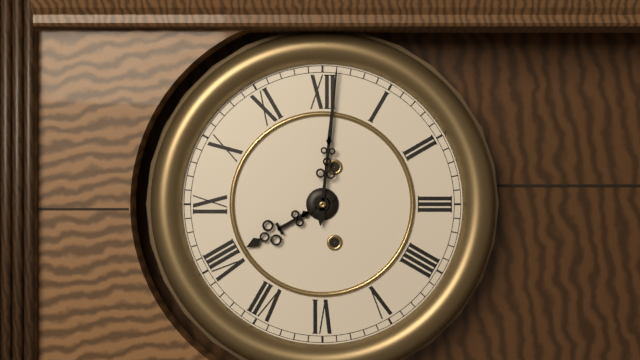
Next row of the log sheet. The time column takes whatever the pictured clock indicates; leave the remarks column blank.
8:01
